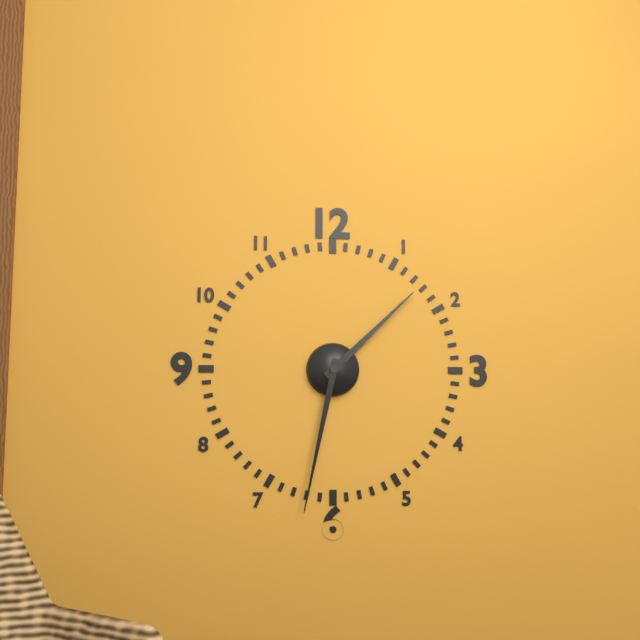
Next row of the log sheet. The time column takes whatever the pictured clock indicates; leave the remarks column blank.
1:32
